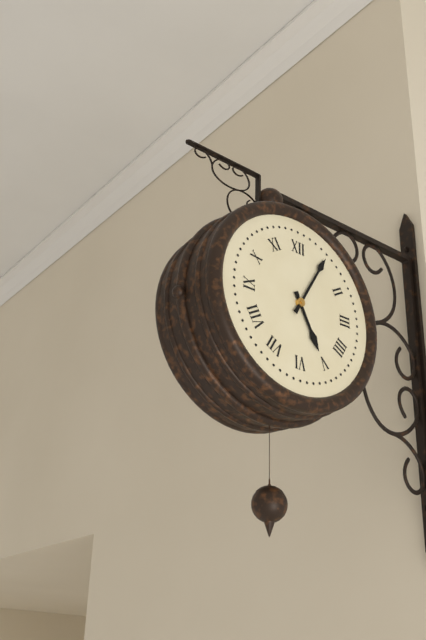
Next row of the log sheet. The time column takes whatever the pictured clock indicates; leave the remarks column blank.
5:05
